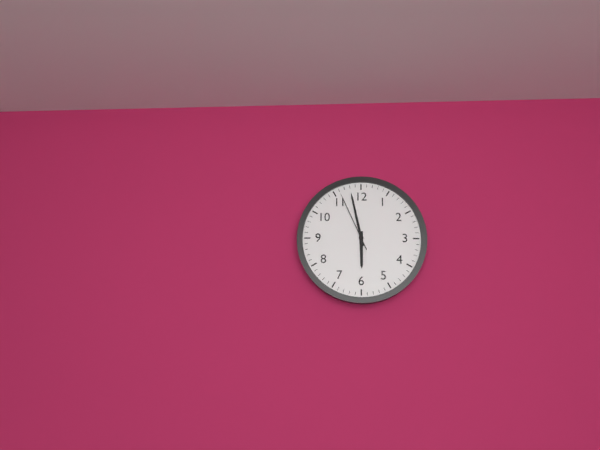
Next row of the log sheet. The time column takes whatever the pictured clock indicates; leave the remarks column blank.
5:58:56
